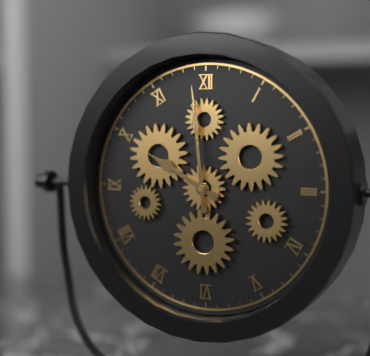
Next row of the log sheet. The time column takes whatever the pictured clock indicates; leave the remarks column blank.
9:59
